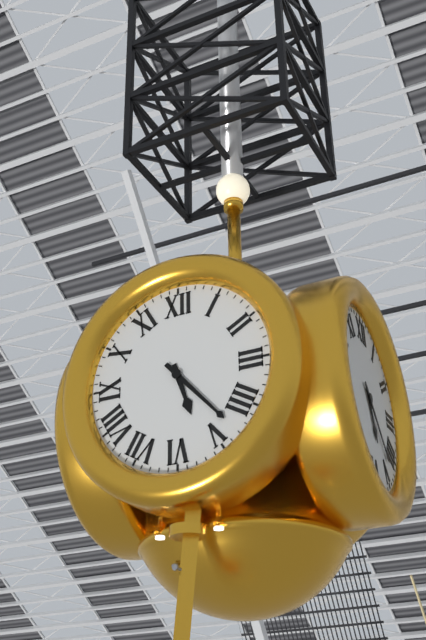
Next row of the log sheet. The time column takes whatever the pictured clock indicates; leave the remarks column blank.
5:23
